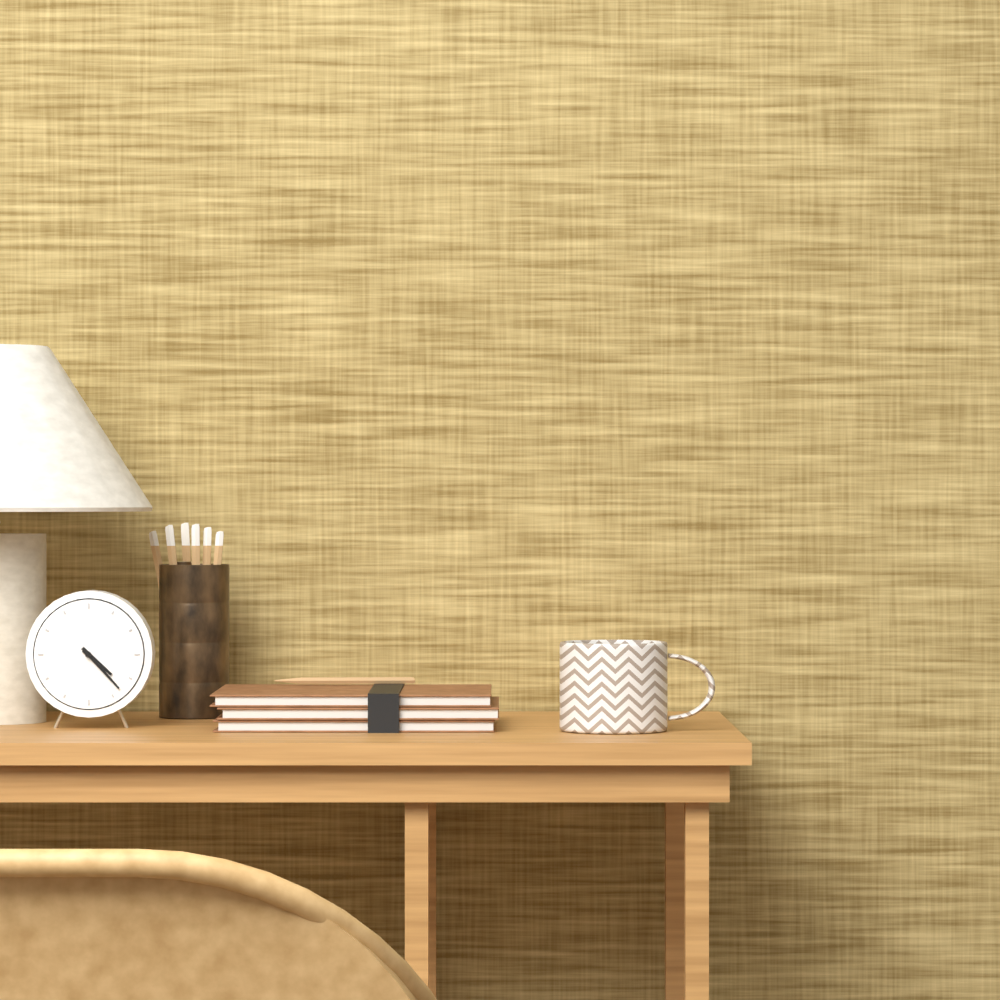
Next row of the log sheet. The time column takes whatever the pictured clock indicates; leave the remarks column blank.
4:23
